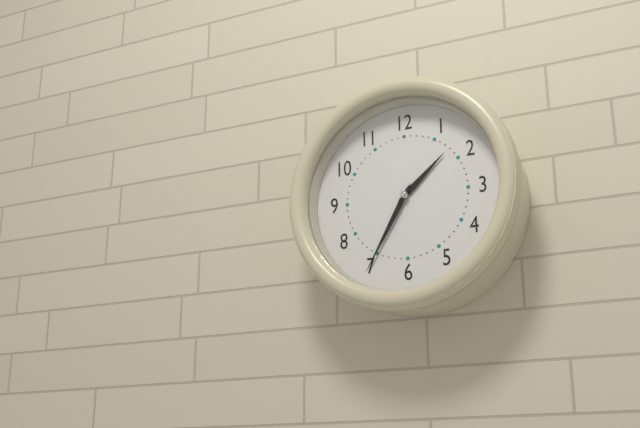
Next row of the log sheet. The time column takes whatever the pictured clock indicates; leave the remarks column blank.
1:35
